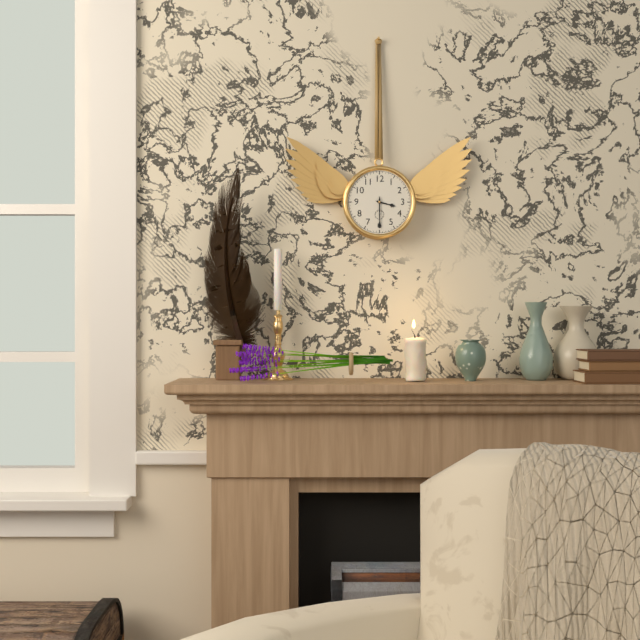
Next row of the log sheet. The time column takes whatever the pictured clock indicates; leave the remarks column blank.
3:30
